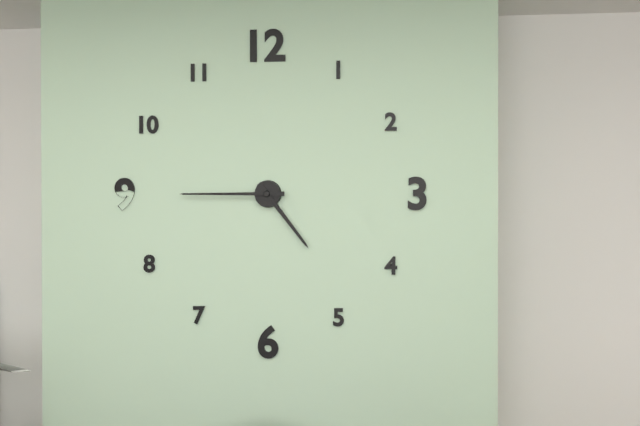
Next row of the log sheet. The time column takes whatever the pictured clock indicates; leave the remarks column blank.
4:45
